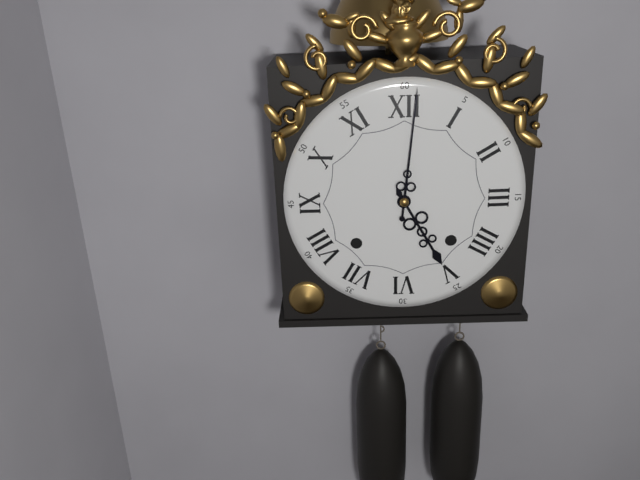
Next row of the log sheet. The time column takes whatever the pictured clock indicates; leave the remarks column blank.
5:01
